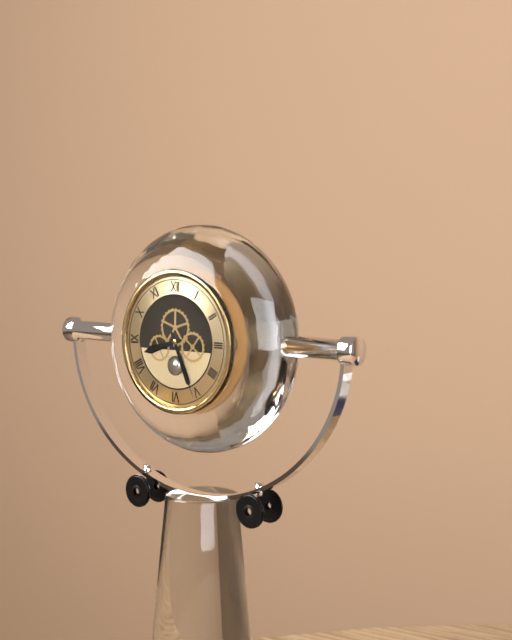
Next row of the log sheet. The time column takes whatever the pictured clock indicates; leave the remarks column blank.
8:26
